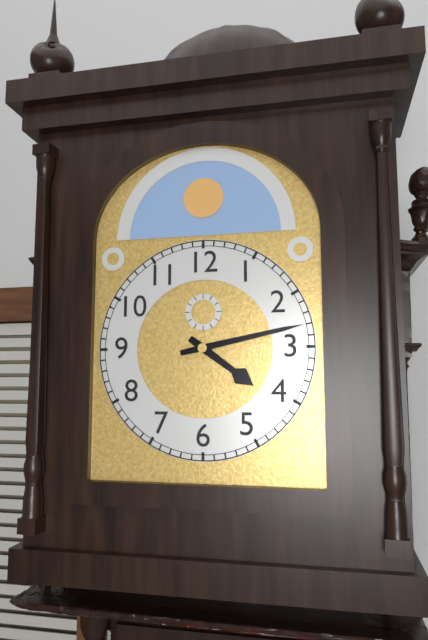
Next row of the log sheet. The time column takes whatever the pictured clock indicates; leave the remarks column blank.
4:13
